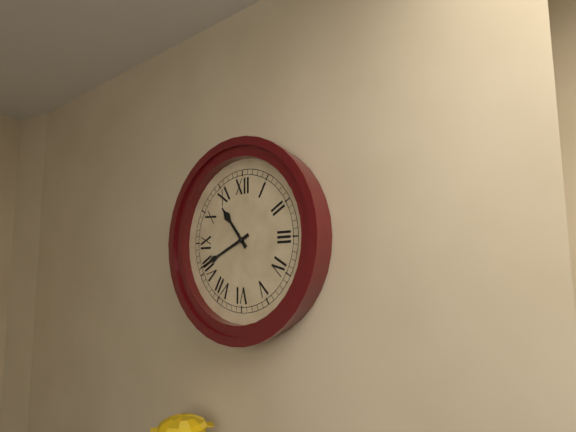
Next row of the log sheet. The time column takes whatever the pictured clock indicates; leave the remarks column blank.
10:41
